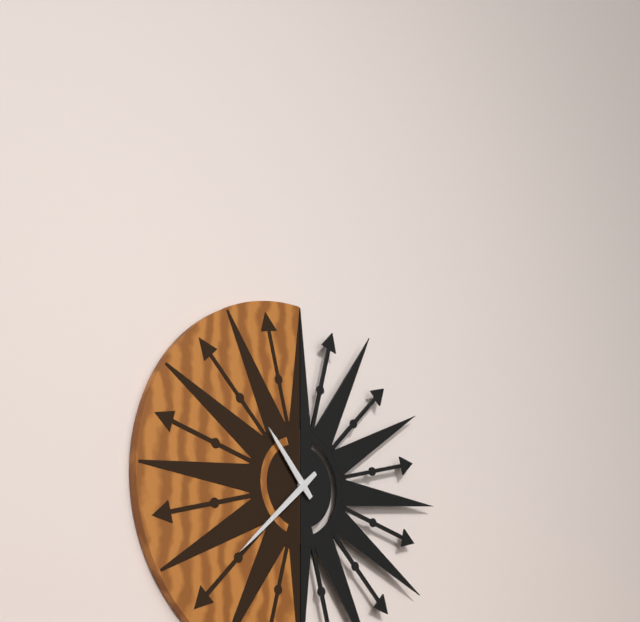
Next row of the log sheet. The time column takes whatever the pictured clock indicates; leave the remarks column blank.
10:38
